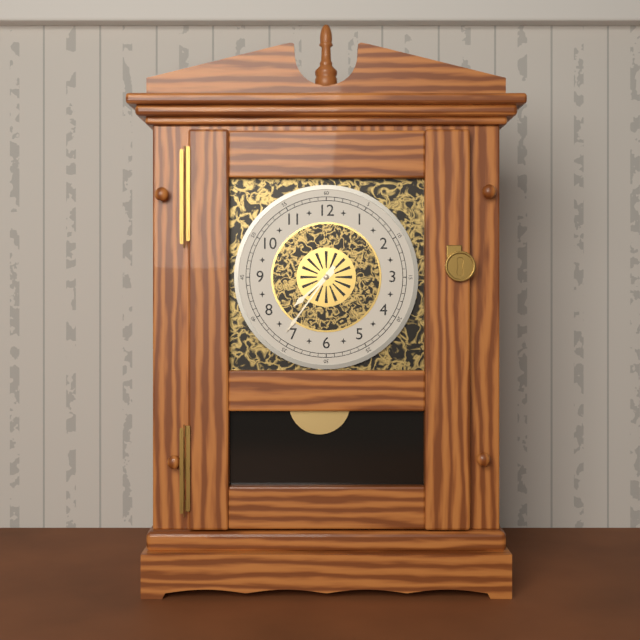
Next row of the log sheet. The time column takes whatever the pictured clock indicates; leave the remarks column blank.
7:36
